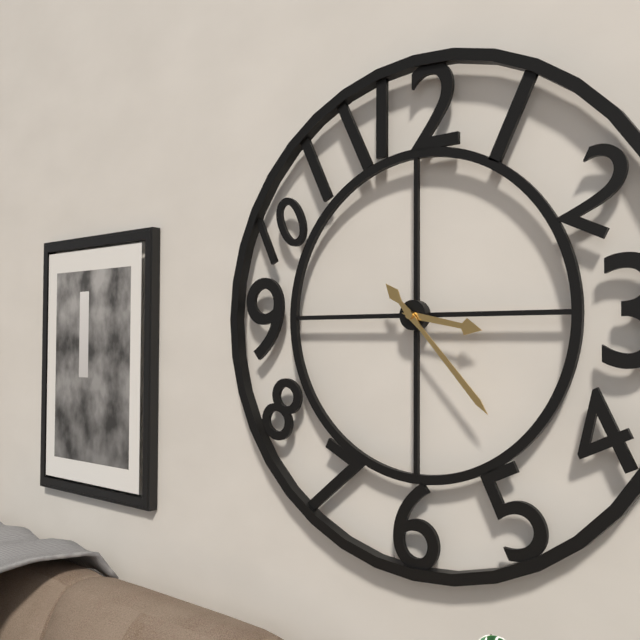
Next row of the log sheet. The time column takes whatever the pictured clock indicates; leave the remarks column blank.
3:23
